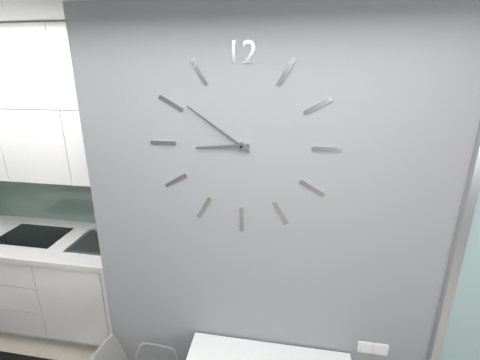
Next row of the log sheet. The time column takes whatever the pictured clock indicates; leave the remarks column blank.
8:51
